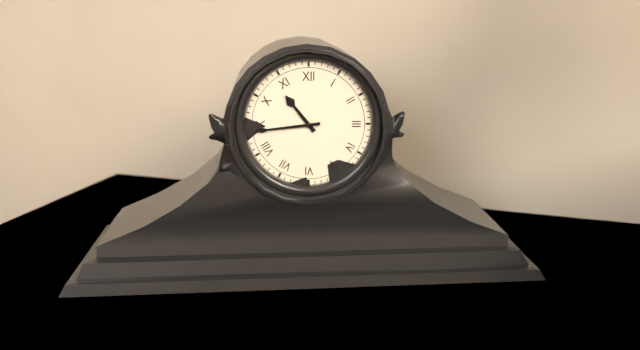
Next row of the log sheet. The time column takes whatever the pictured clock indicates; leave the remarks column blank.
10:44
